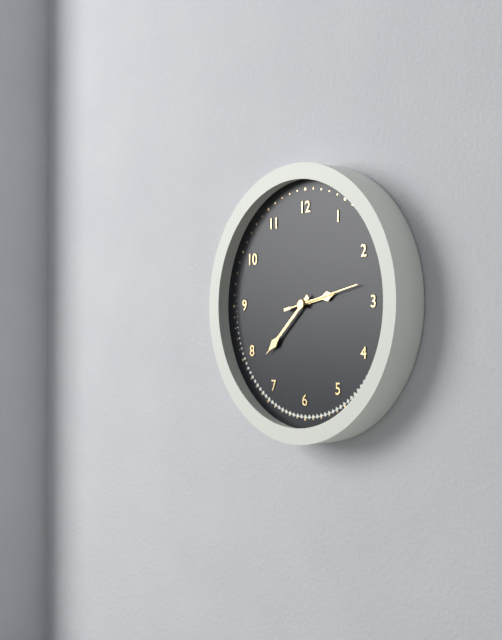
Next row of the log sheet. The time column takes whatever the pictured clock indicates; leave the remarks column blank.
2:38:13
